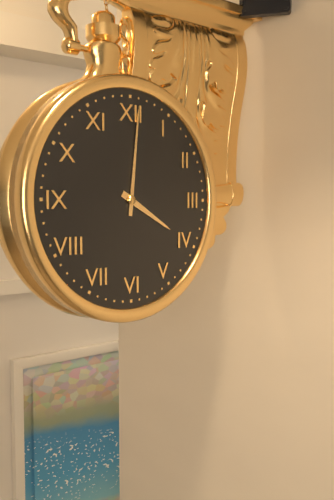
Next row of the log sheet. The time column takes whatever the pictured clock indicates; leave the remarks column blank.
4:01
